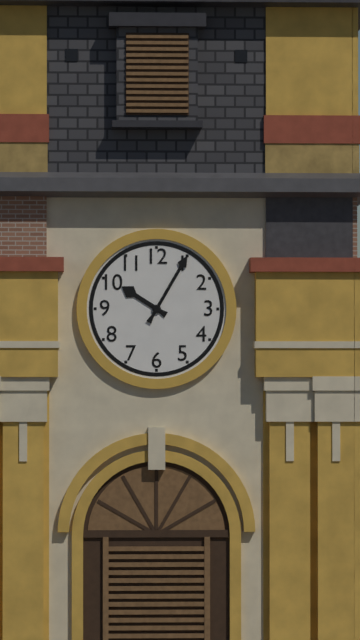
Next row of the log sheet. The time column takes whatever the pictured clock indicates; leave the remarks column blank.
10:05
